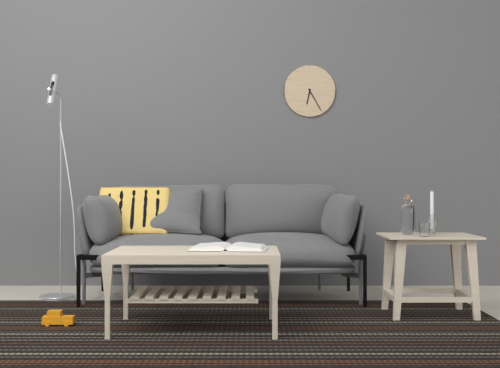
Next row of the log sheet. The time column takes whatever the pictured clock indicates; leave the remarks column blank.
6:25
